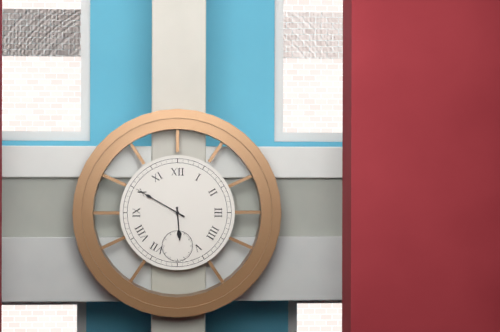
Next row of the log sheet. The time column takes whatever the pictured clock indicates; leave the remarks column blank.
5:50
